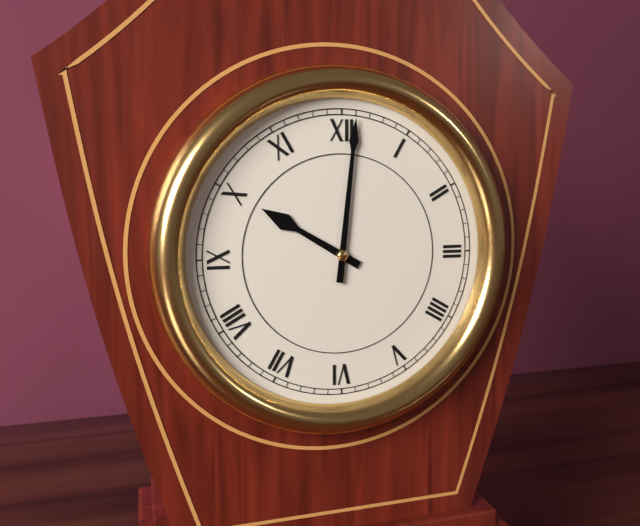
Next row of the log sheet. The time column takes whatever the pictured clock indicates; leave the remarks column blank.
10:01
